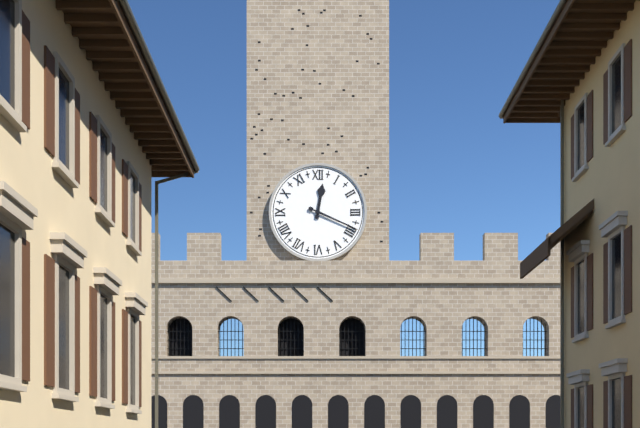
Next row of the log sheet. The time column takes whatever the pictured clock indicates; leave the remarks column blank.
12:19
